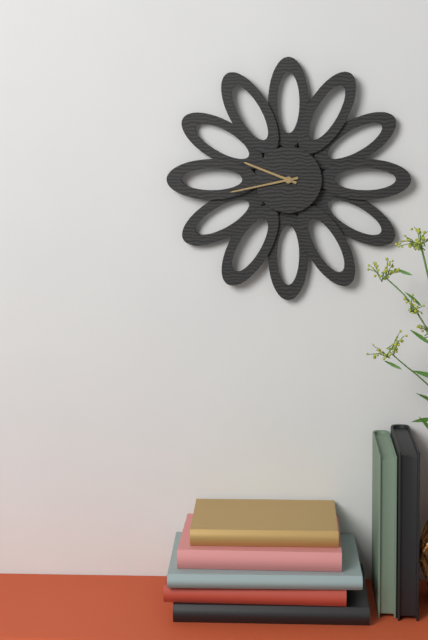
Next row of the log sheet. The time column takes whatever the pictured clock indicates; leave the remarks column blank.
9:43
